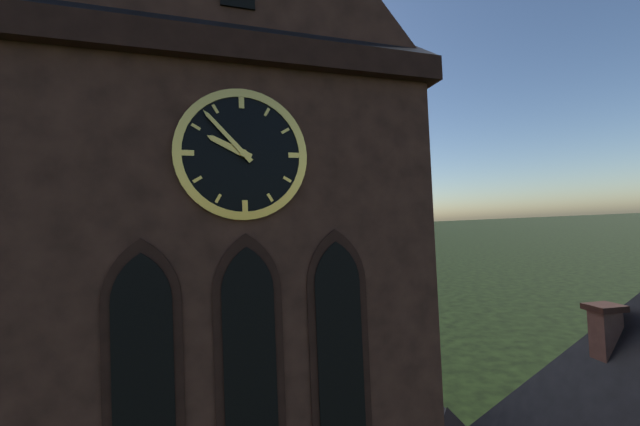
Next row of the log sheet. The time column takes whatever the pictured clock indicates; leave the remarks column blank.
9:53
